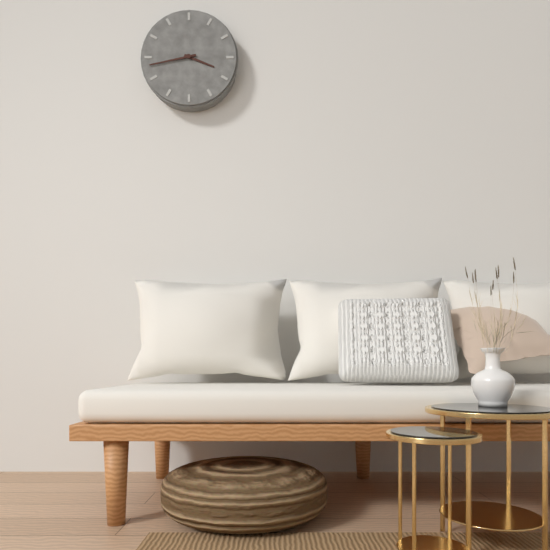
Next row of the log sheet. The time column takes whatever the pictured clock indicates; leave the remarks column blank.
3:43
